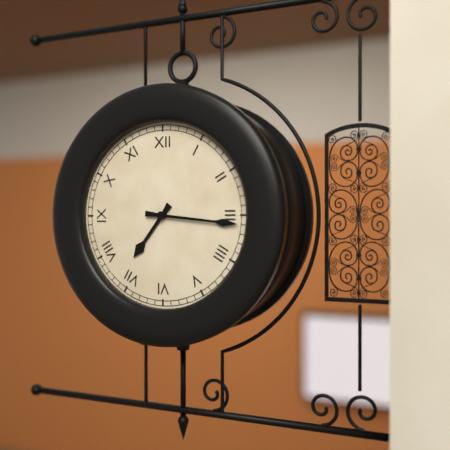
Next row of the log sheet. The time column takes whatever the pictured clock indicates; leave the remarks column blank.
7:16
